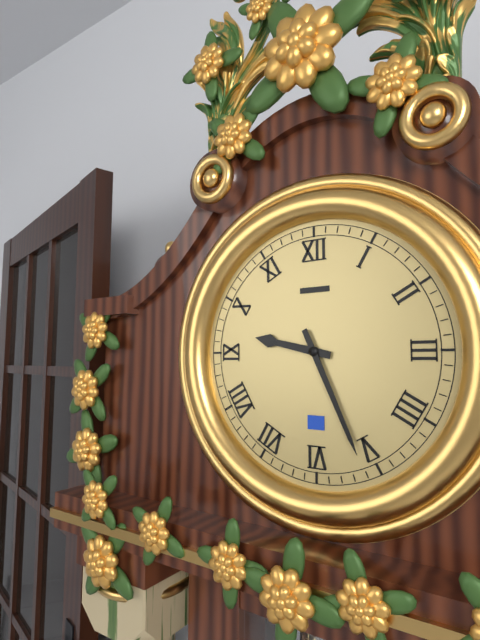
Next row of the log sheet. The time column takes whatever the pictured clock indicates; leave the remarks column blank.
9:26
